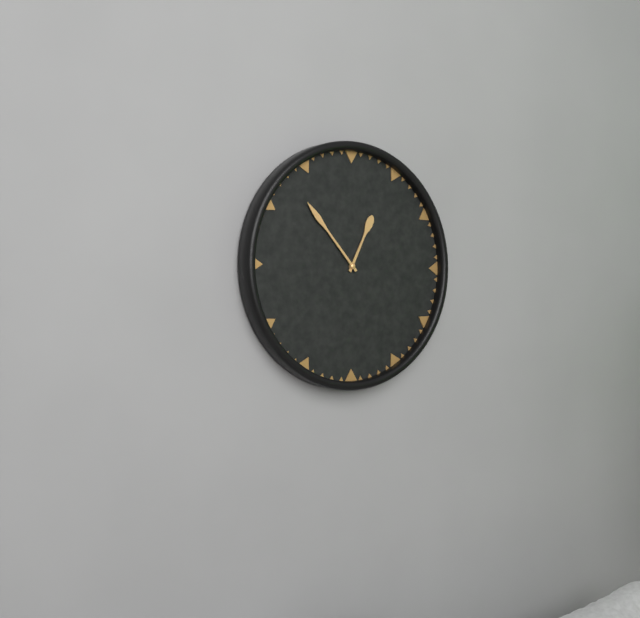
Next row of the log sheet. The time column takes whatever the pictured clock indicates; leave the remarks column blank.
12:53
